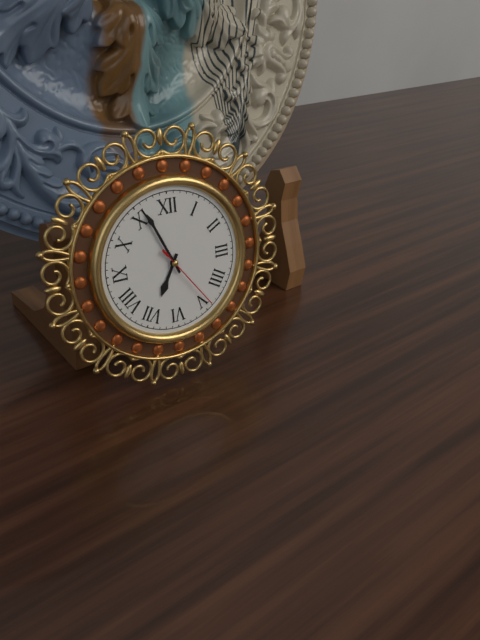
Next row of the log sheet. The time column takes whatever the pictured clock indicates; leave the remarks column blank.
6:56:24
